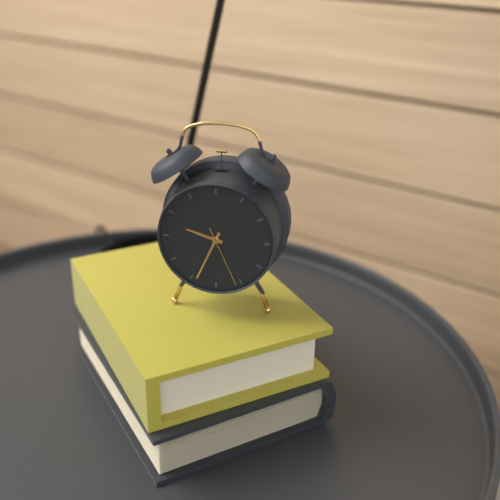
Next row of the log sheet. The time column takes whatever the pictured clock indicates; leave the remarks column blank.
9:34:26
